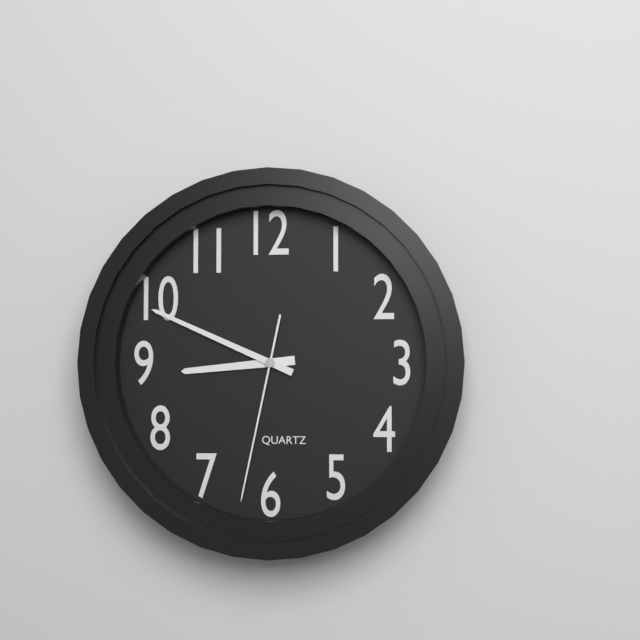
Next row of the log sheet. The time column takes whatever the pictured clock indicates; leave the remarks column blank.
8:49:32
